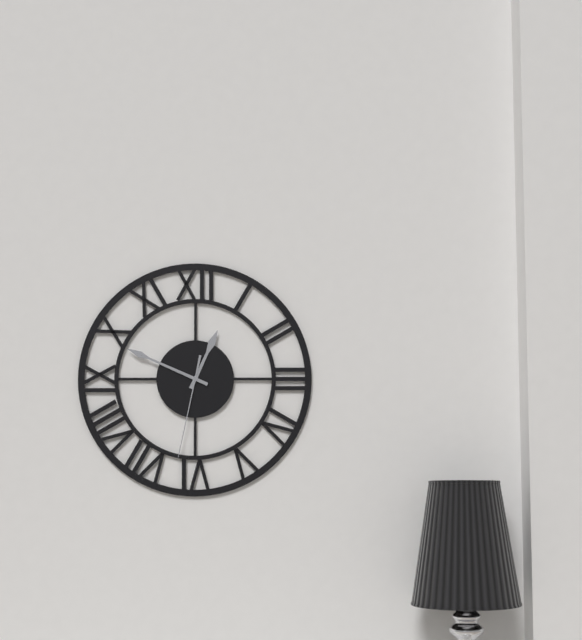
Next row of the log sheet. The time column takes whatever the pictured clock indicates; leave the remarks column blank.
12:49:32
